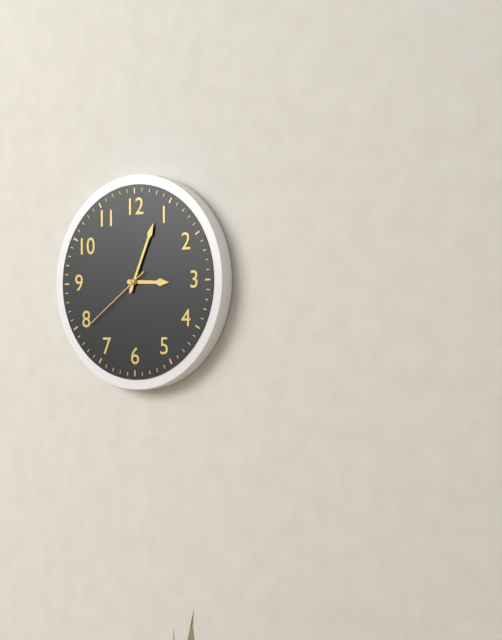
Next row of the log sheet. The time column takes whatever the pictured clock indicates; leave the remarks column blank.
3:04:39
